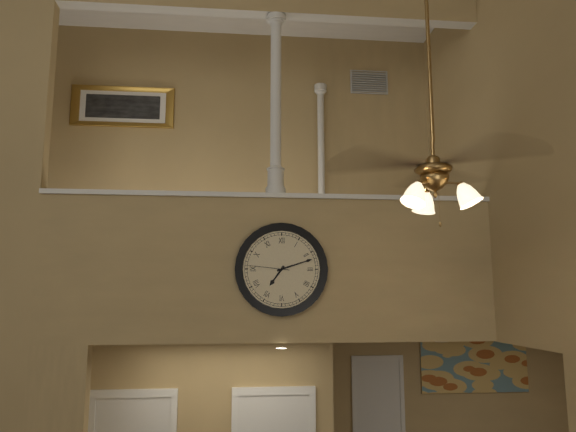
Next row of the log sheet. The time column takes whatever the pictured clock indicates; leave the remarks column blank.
7:12
